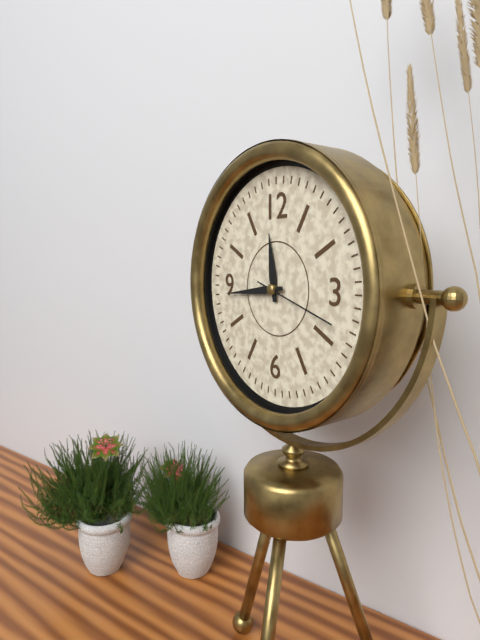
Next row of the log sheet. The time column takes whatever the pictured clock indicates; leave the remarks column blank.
11:44:18
